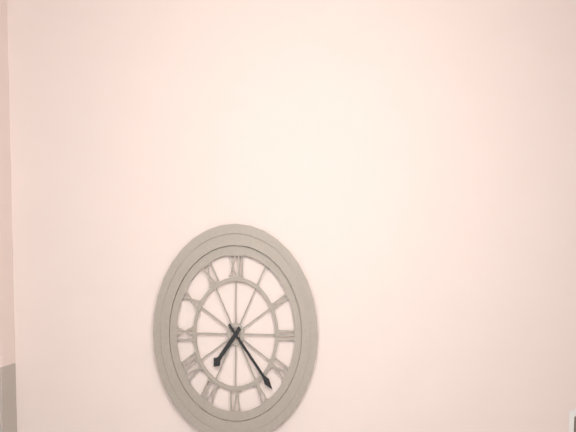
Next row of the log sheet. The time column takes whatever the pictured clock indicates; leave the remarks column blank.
7:23
